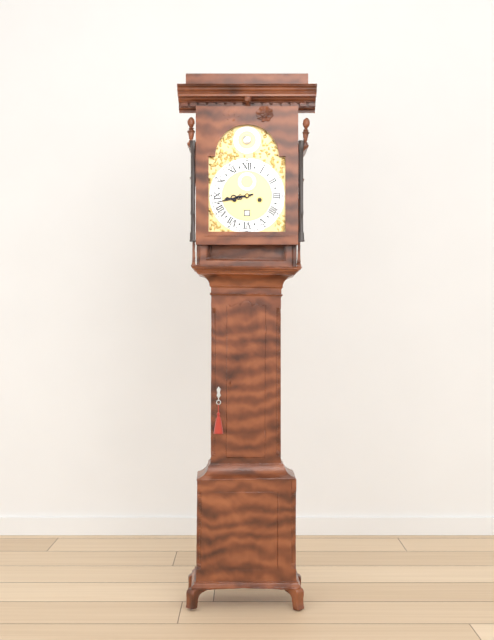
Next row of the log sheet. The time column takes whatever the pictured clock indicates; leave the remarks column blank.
8:43
